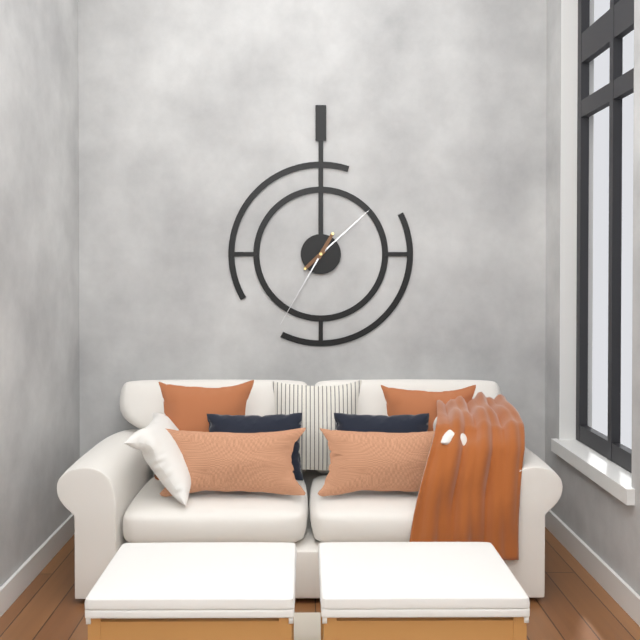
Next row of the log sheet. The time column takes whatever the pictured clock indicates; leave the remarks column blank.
1:35
